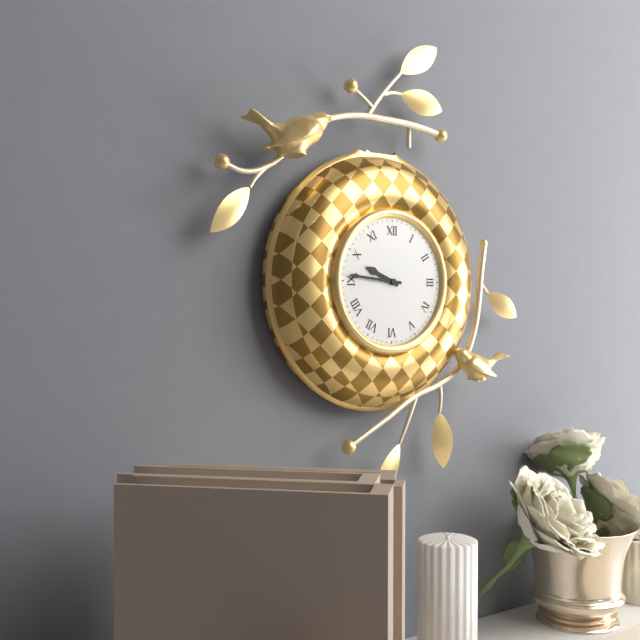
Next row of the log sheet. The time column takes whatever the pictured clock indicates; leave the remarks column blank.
9:46
